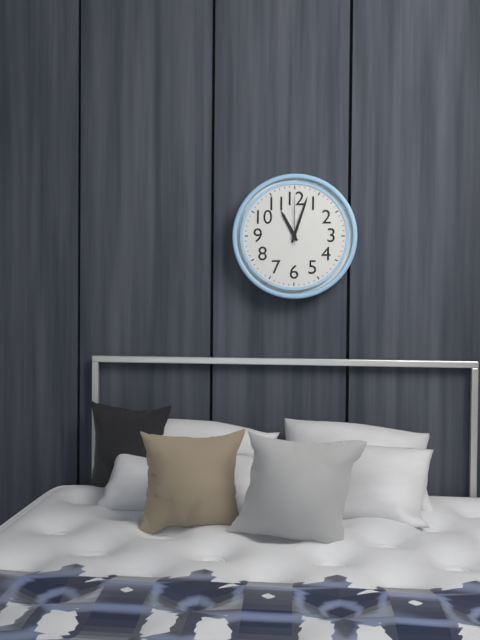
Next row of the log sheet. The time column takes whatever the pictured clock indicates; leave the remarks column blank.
11:03:00
